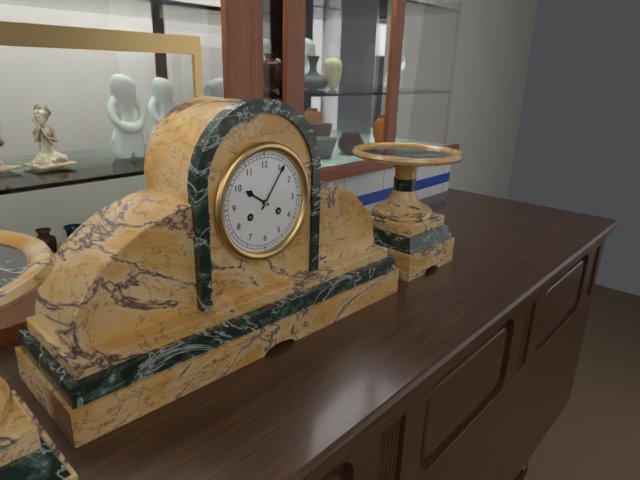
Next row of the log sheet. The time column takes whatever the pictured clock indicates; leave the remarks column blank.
10:06
